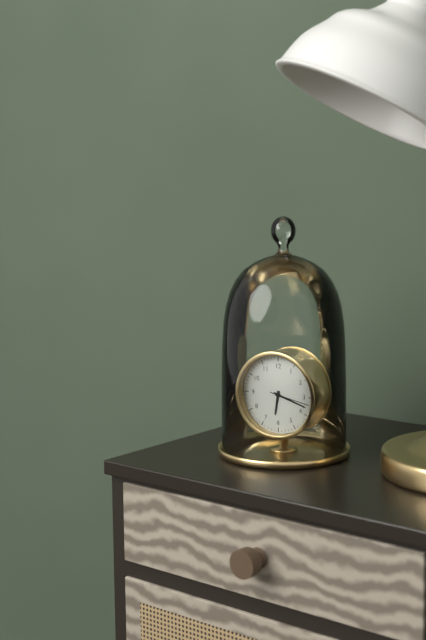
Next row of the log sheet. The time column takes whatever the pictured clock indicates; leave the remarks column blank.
6:18
